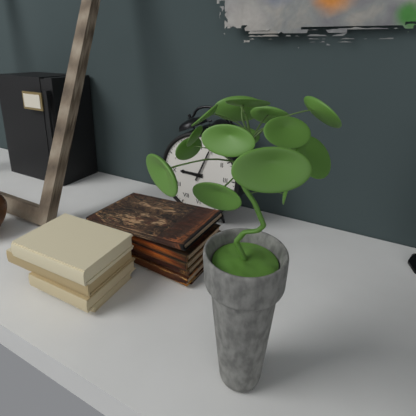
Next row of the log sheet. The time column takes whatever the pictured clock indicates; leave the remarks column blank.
9:04
